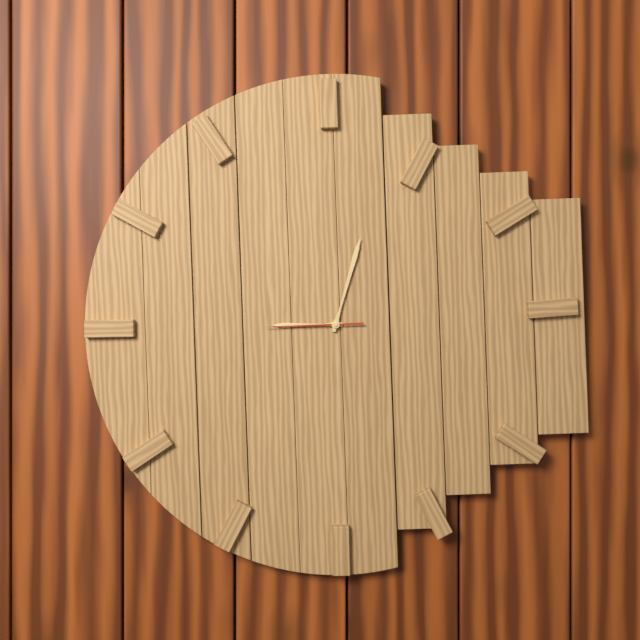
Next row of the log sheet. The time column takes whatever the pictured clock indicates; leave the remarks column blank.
9:03:45
